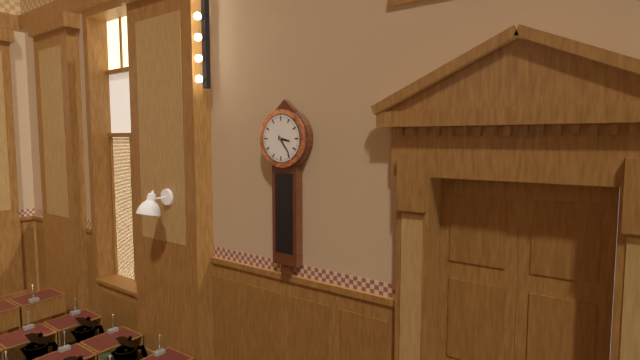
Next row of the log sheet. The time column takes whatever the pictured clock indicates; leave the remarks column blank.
3:24
